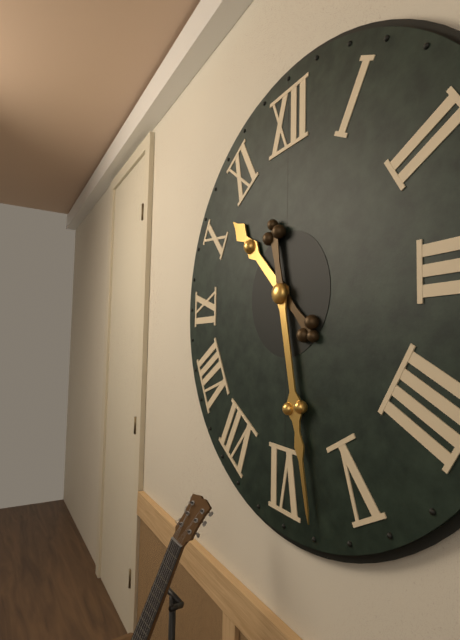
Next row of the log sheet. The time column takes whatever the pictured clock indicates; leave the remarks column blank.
10:28
